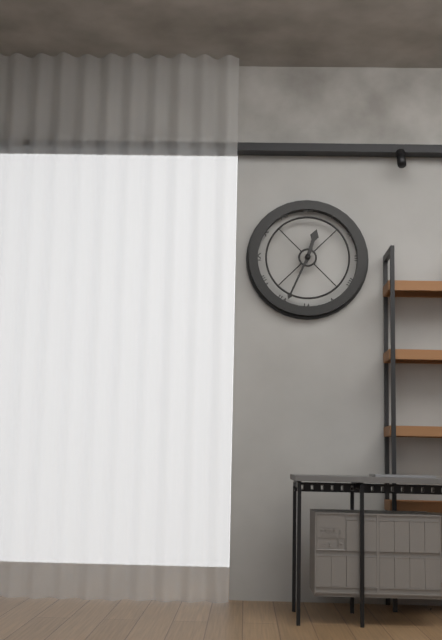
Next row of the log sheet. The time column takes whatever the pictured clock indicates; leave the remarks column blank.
12:34
